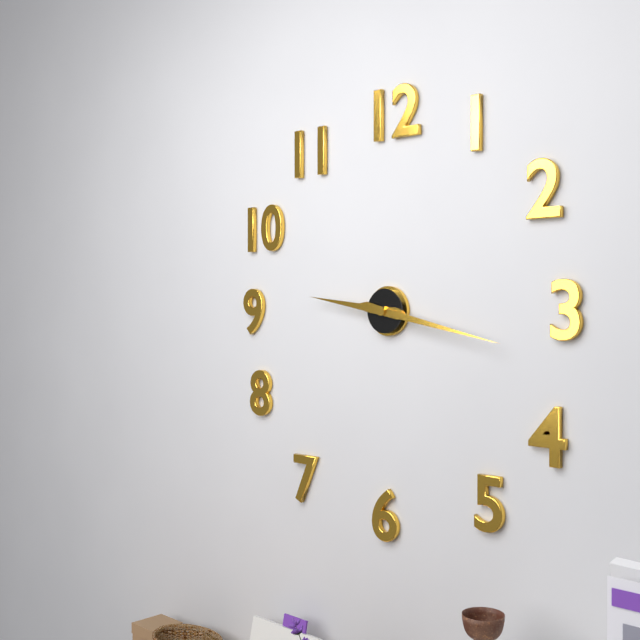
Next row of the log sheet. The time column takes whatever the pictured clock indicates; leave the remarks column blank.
9:17
